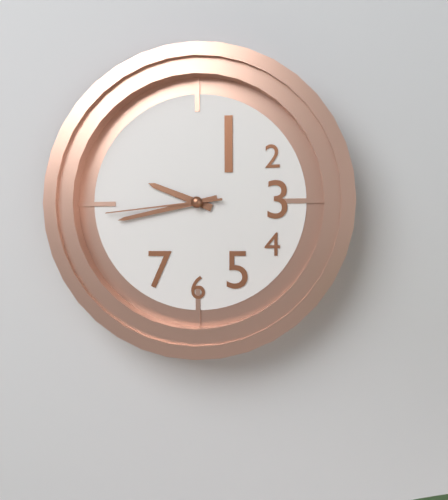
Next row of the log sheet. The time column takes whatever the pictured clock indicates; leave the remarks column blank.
9:43:44
